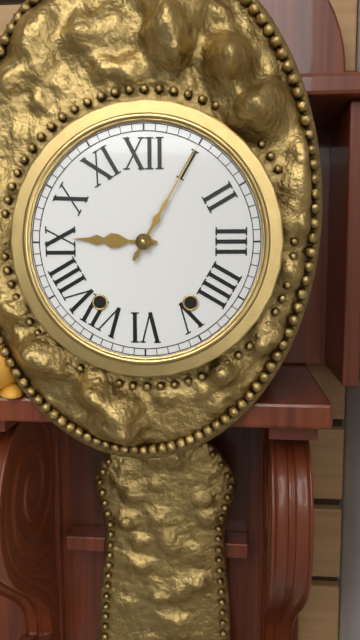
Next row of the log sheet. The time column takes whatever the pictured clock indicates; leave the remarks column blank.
9:05
